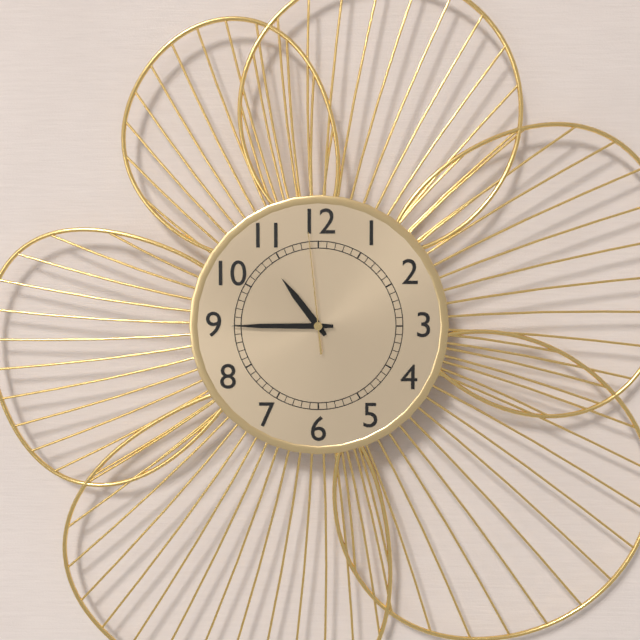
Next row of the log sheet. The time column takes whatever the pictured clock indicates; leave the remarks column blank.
10:45:59
